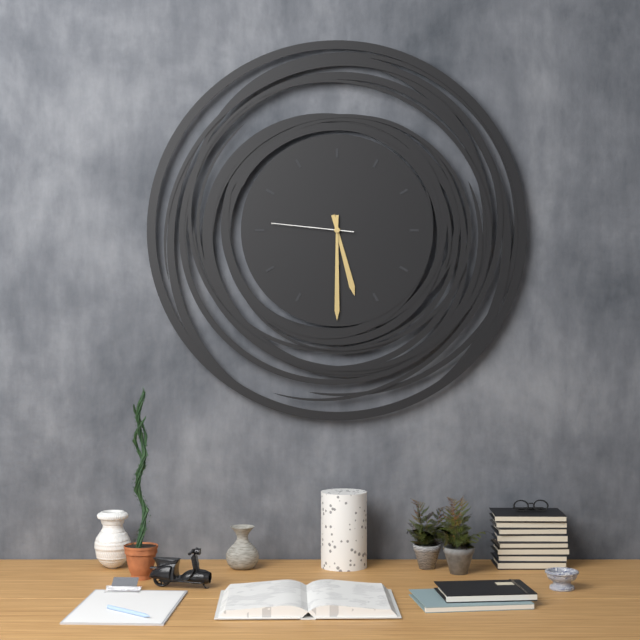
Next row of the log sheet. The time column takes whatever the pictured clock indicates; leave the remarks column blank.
5:30:46
